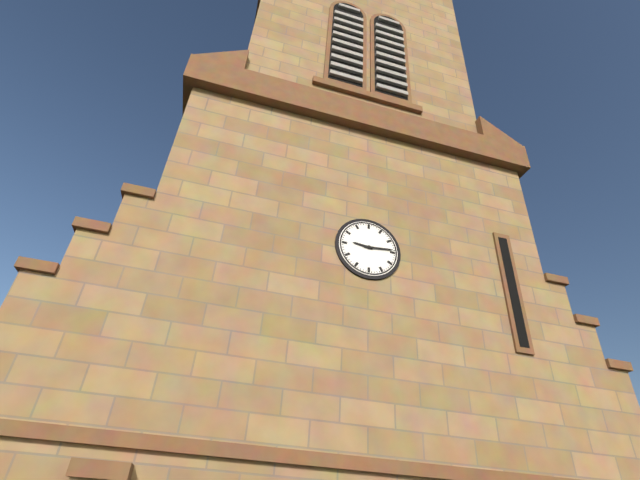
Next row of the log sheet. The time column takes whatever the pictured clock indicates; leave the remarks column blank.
9:14
